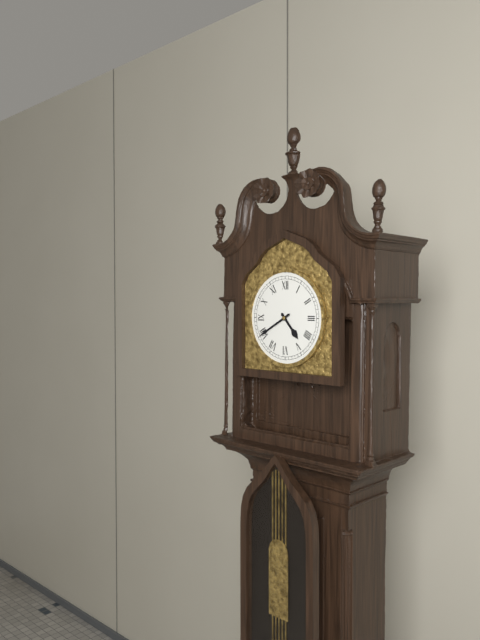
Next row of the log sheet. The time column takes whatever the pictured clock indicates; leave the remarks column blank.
4:40
